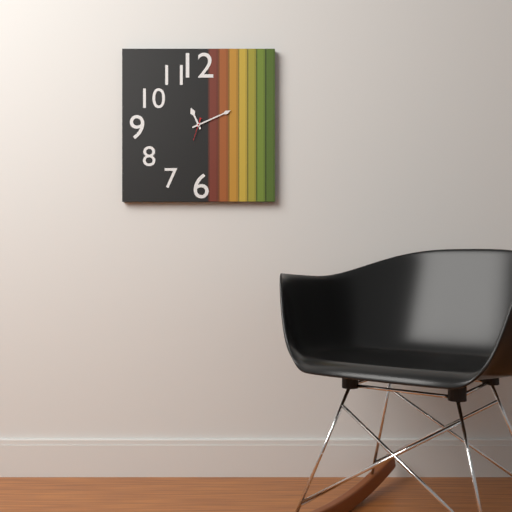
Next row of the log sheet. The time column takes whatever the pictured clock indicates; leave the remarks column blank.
11:11
